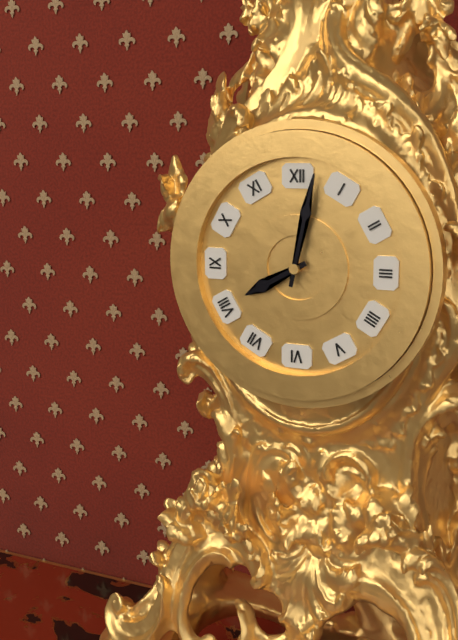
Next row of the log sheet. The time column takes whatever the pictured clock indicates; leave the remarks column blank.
8:02
